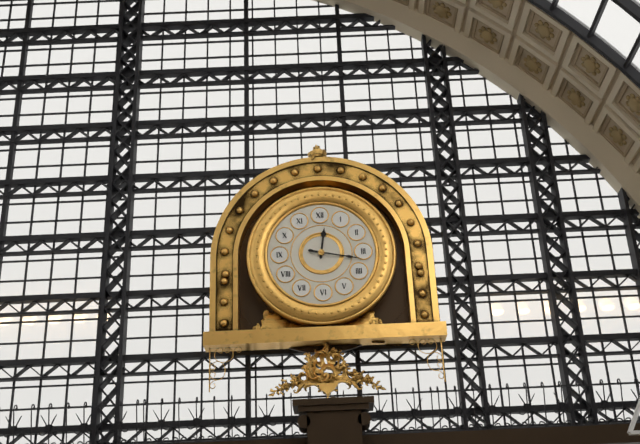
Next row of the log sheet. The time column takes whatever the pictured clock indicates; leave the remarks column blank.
12:17
